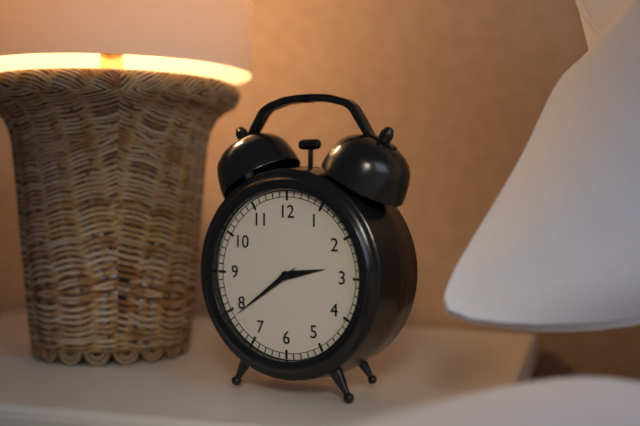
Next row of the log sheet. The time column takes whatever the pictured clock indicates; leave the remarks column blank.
2:39
